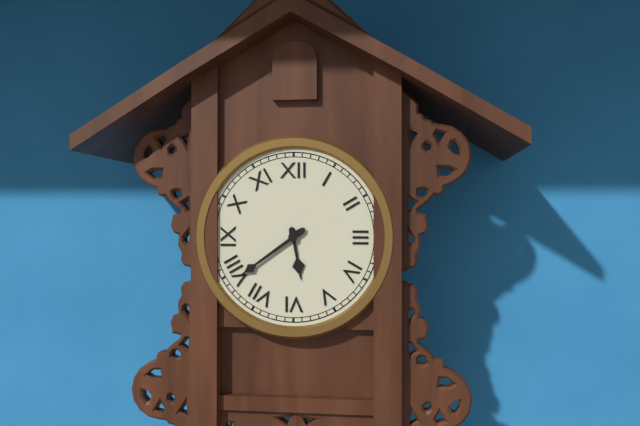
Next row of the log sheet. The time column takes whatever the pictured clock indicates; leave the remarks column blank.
5:39
